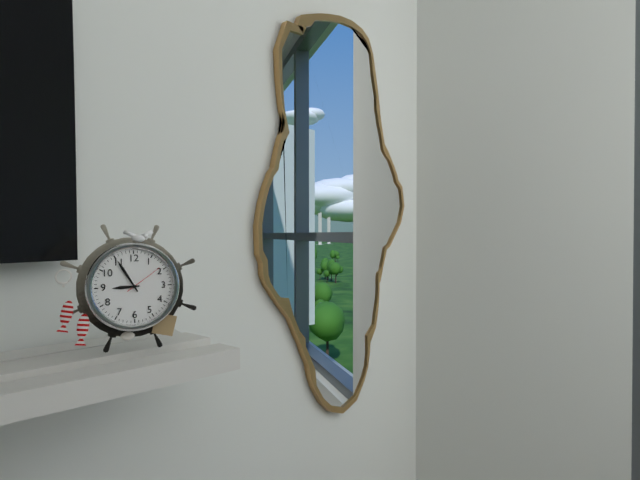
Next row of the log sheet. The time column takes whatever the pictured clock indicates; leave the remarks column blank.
8:55
